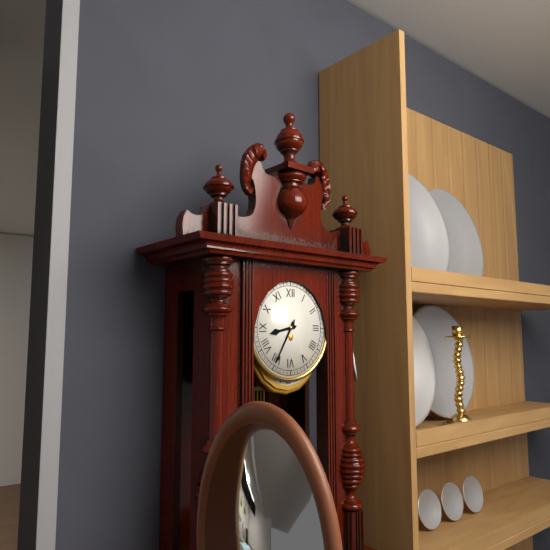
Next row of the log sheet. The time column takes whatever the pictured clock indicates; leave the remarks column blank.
8:35
